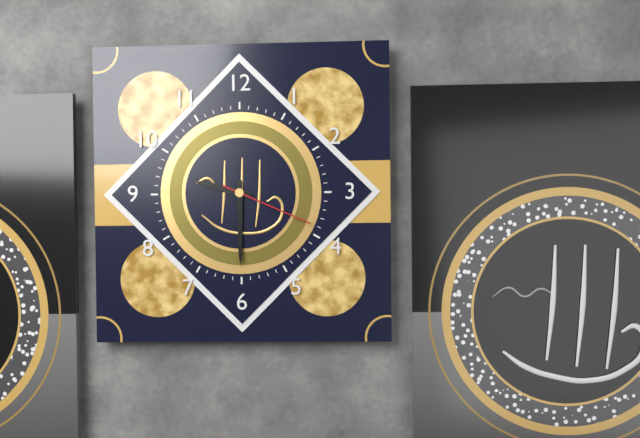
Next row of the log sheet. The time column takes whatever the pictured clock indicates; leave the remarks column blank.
9:30:19
